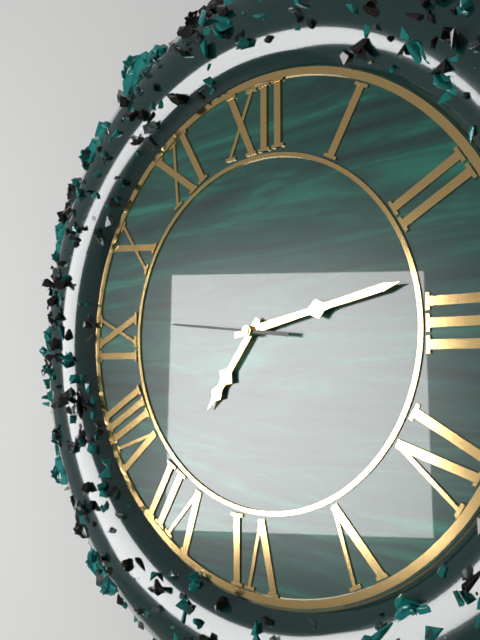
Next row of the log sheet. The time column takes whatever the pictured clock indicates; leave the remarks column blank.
7:13:46
